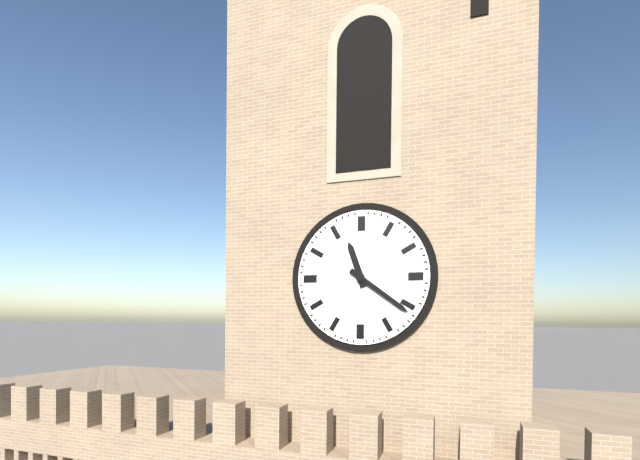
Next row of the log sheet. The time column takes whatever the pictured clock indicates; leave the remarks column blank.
11:21
